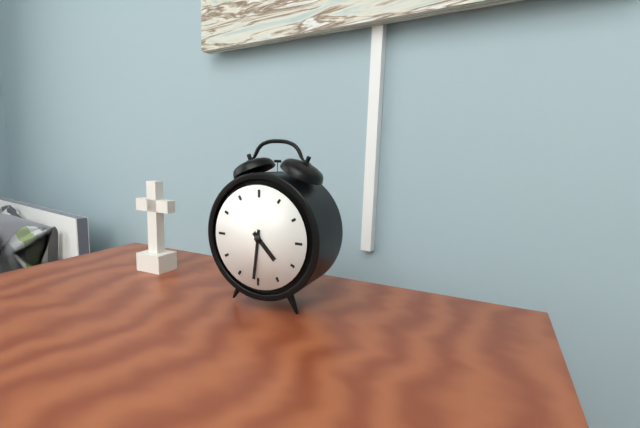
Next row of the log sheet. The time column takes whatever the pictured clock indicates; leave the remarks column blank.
4:31
